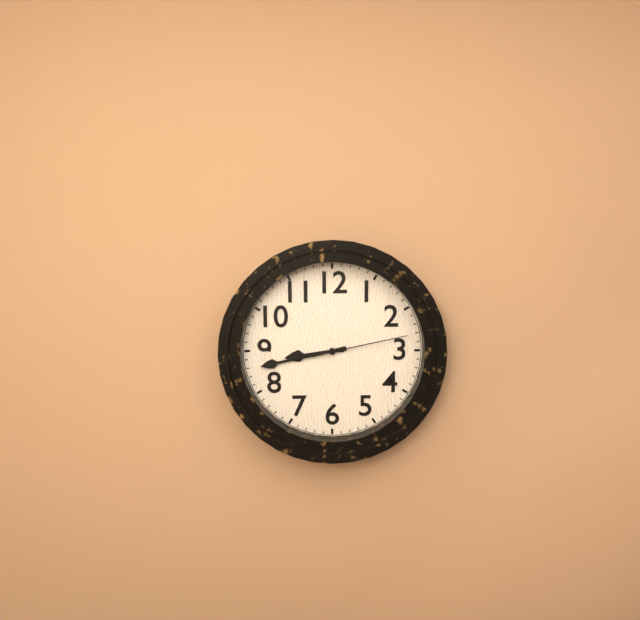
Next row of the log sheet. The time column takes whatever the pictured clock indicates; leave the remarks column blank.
8:43:13
